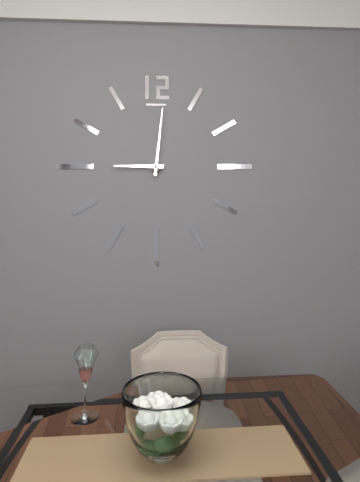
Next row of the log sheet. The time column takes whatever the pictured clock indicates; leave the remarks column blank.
9:01
